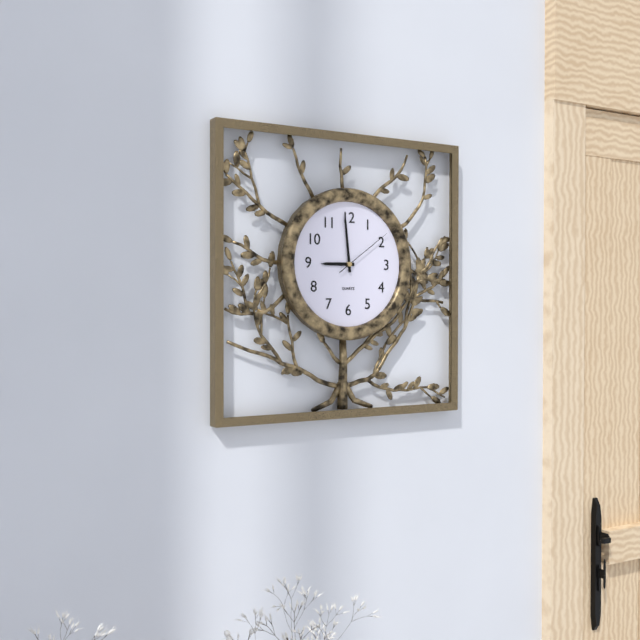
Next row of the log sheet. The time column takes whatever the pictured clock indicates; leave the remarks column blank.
8:59:09
